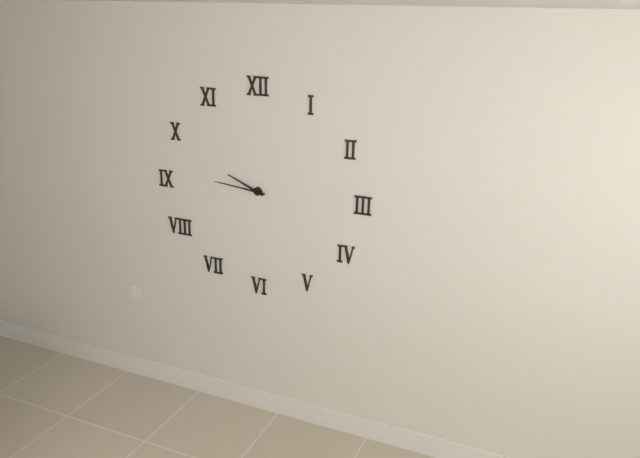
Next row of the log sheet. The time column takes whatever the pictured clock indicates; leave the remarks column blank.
9:46
